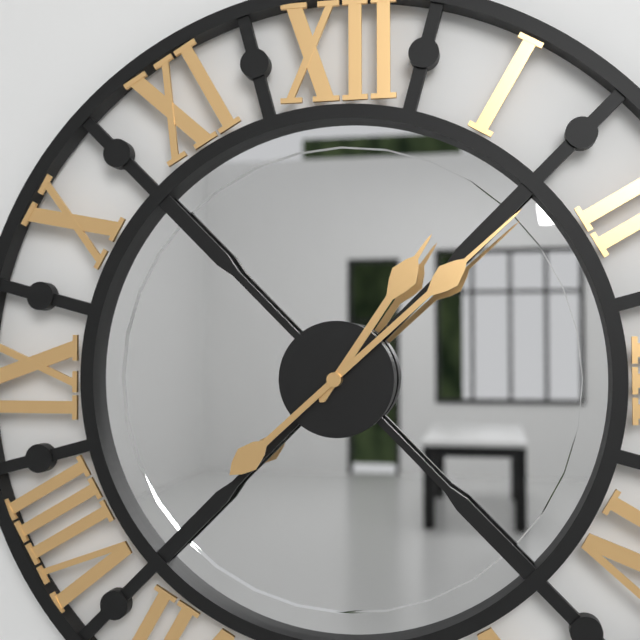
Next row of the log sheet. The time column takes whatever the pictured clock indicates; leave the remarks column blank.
1:08
